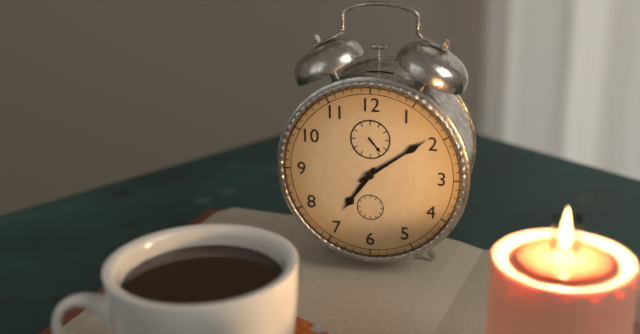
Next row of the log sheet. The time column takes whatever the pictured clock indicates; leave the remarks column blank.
7:09
